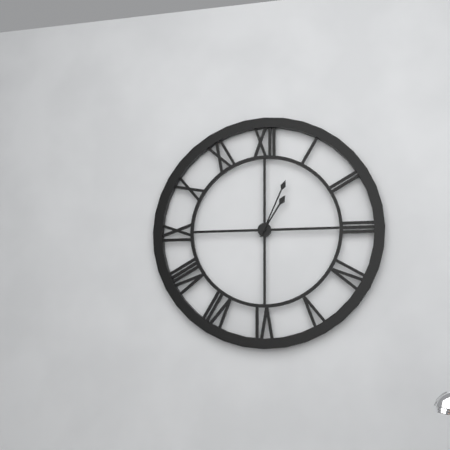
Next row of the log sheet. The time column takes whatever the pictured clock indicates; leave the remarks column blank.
1:04
